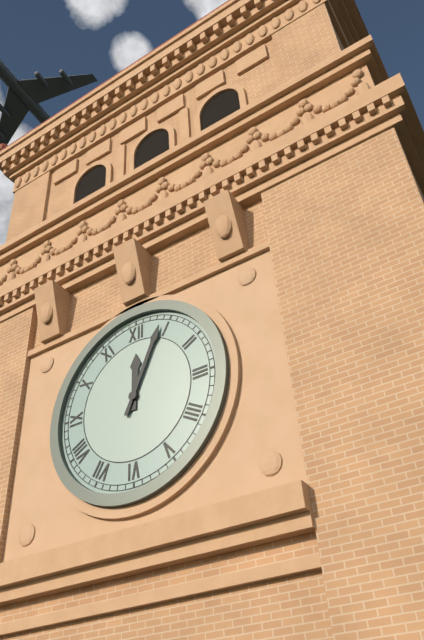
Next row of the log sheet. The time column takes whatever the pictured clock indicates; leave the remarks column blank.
12:04
